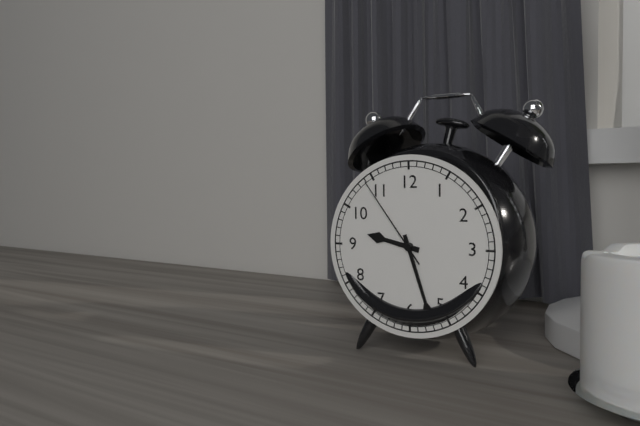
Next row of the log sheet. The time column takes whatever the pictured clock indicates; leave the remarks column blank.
9:27:54
